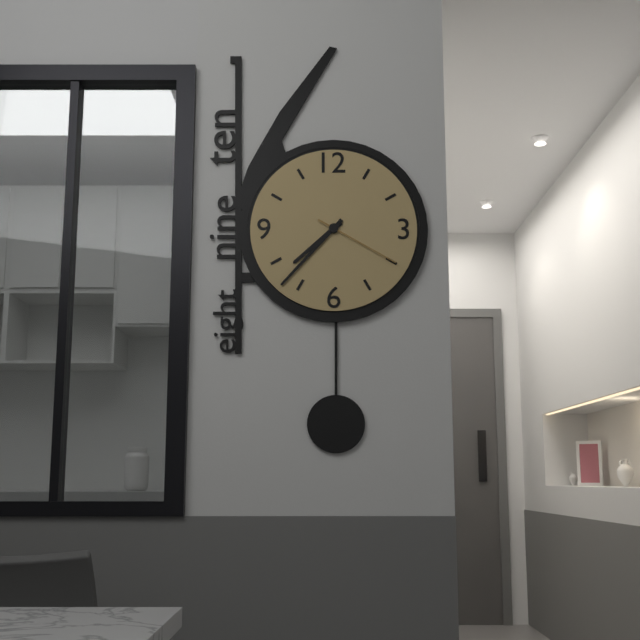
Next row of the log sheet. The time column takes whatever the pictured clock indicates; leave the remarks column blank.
7:37:20
